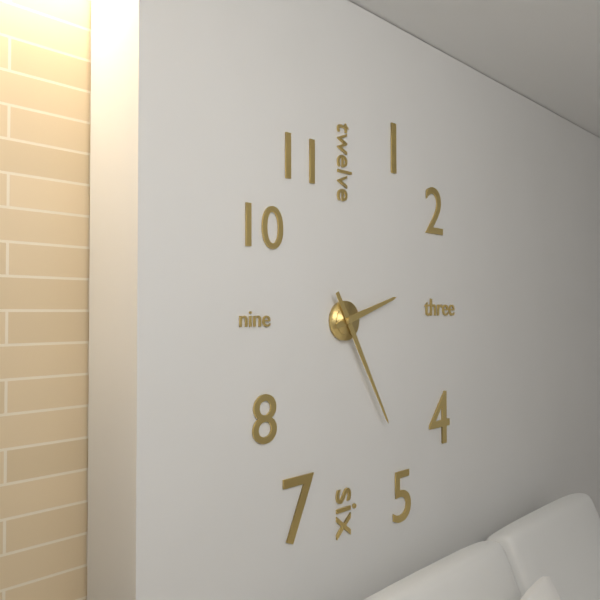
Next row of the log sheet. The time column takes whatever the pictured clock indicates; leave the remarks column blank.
2:25
